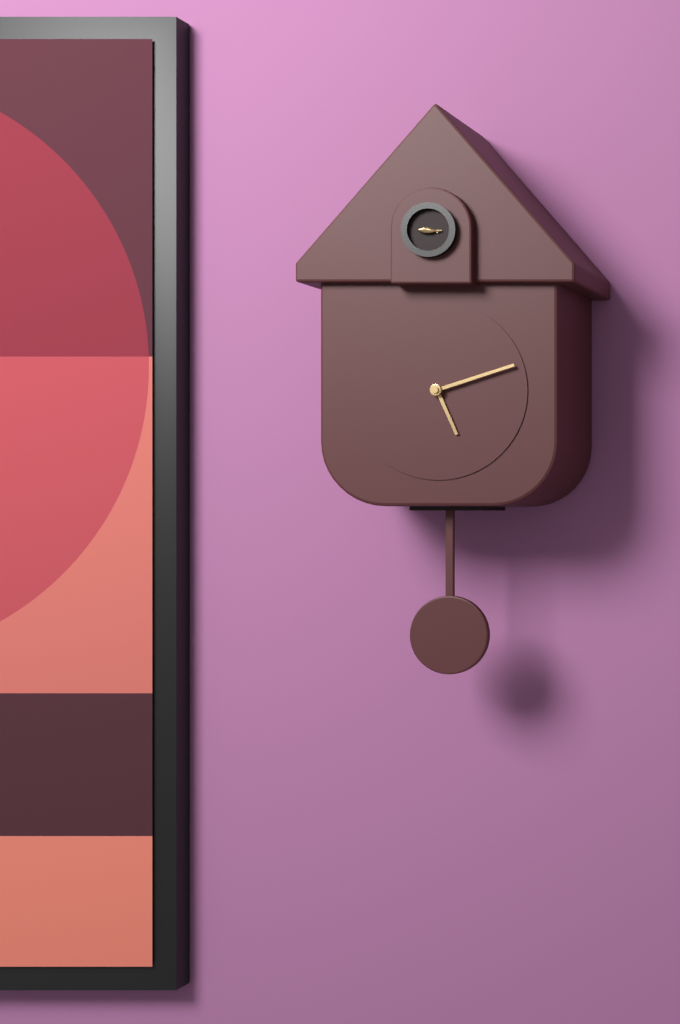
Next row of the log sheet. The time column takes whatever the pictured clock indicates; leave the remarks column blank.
5:12
